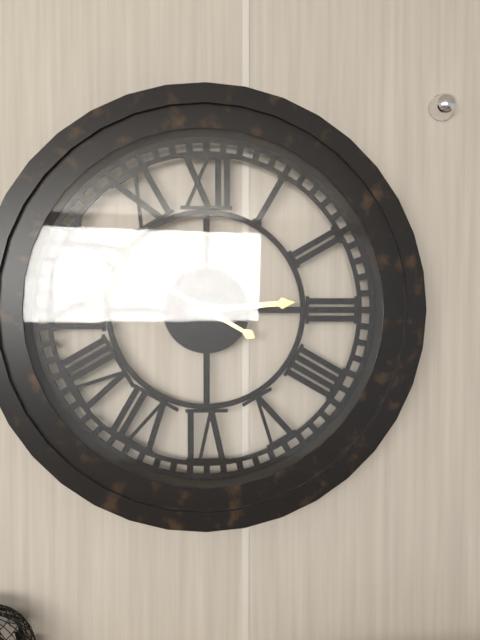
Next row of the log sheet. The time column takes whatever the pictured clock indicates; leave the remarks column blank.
2:50
